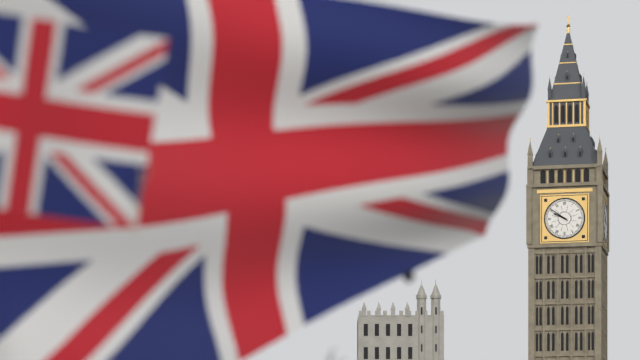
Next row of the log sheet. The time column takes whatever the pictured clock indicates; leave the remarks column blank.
9:51
